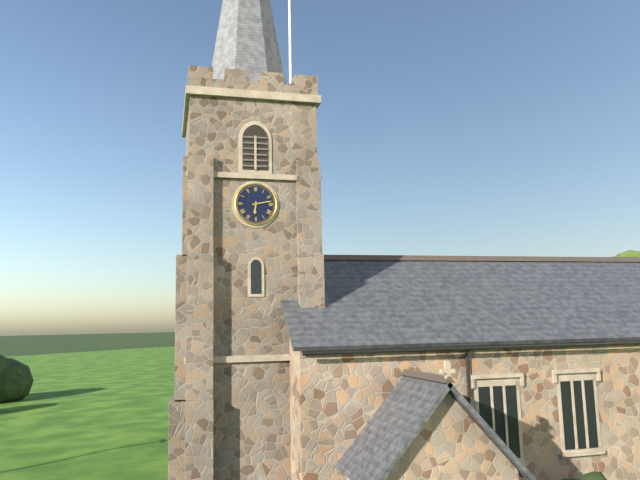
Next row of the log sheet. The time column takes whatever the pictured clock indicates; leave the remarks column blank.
6:13
